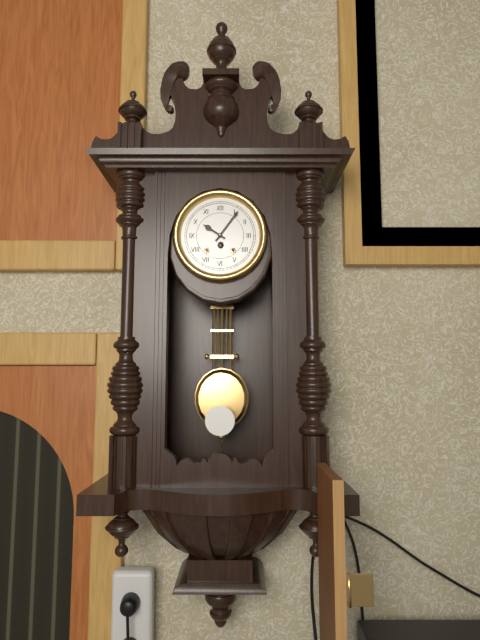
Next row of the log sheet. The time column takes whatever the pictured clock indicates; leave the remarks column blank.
10:06
